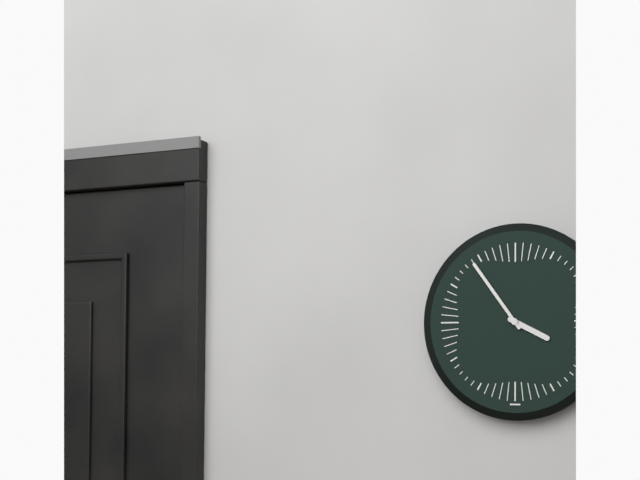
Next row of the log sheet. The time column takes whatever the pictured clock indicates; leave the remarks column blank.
3:54
